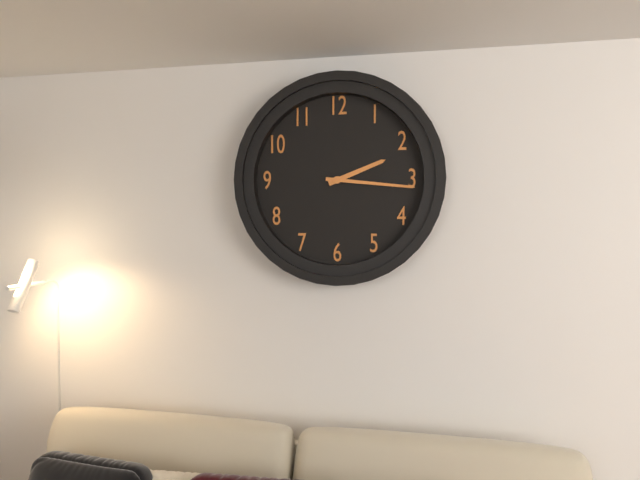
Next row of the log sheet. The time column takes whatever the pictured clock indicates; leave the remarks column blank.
2:16
